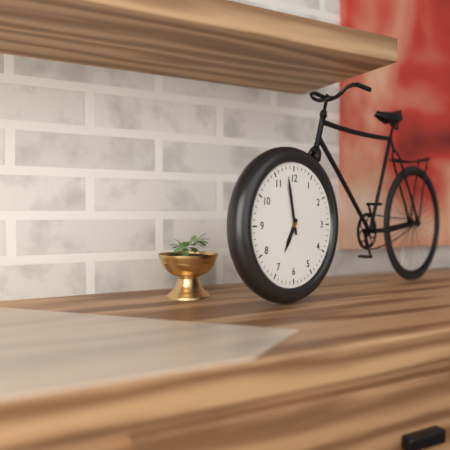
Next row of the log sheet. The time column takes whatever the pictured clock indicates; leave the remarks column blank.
6:58
